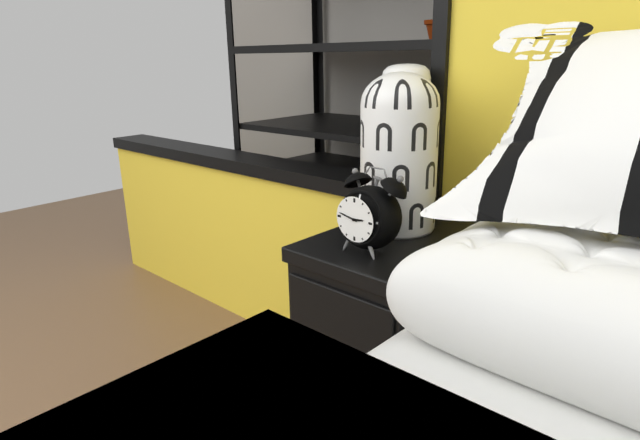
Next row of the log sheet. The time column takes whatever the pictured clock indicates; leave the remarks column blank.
2:47
